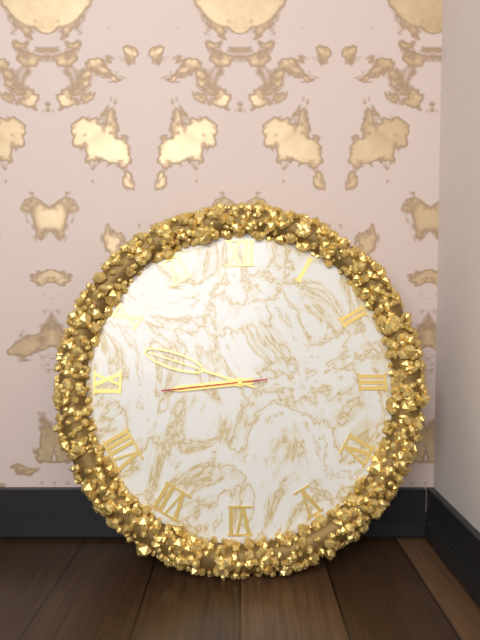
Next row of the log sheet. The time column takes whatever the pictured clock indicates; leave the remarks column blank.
8:48:44
